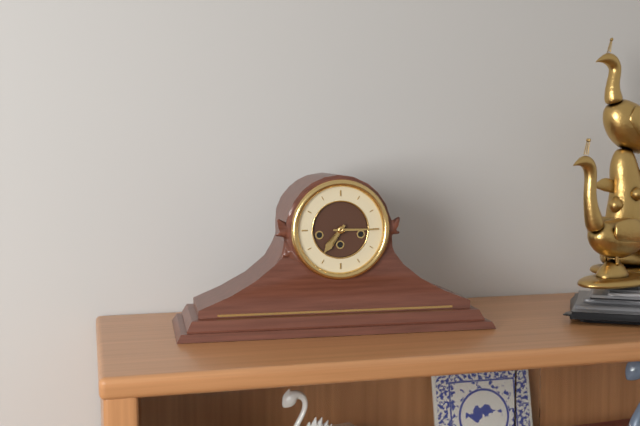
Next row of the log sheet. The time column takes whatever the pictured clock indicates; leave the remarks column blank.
7:15
